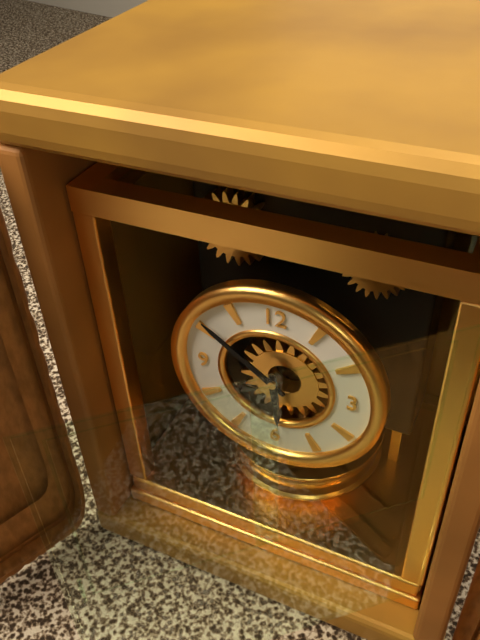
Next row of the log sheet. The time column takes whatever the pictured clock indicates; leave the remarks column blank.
5:51
